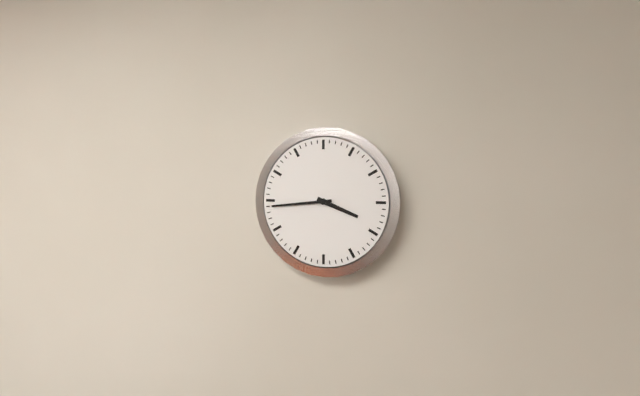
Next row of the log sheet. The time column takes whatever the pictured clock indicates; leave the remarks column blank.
3:44
